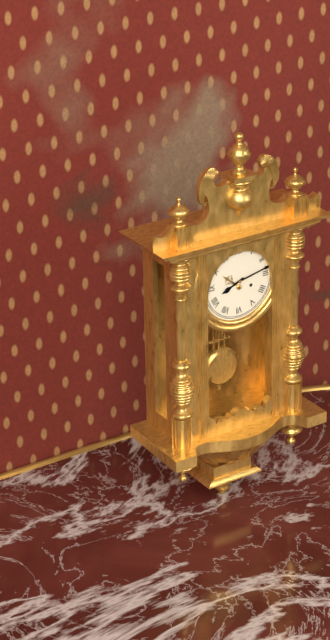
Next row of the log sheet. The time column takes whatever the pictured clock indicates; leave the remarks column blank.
8:13
